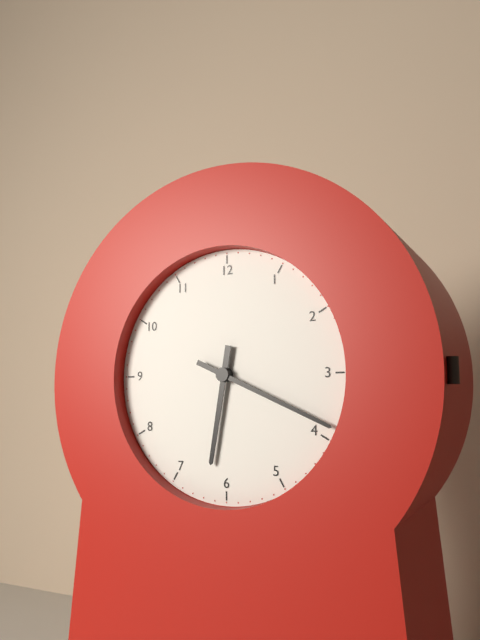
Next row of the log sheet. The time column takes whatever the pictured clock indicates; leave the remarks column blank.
6:19
